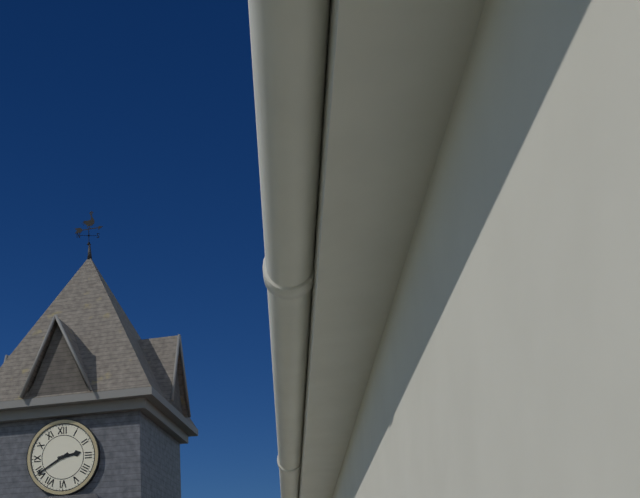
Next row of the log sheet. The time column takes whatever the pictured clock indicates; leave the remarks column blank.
2:40
